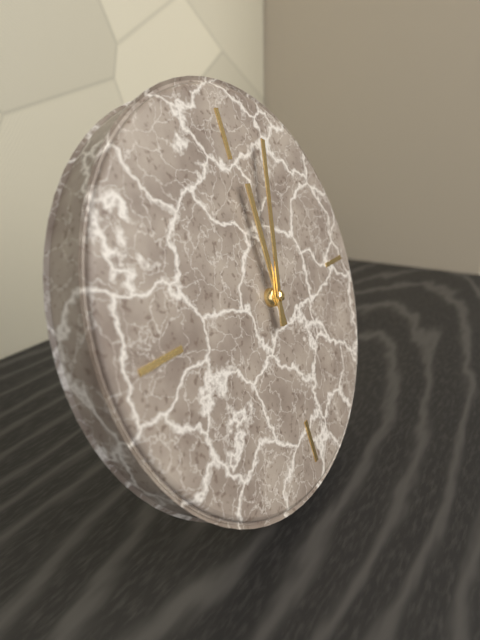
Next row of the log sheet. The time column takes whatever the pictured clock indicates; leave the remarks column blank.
12:03
